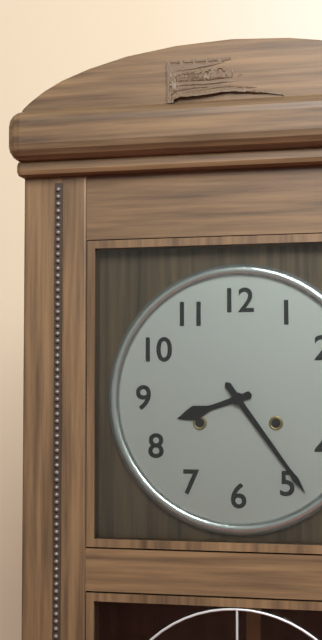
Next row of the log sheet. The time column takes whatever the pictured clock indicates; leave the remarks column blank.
8:24
